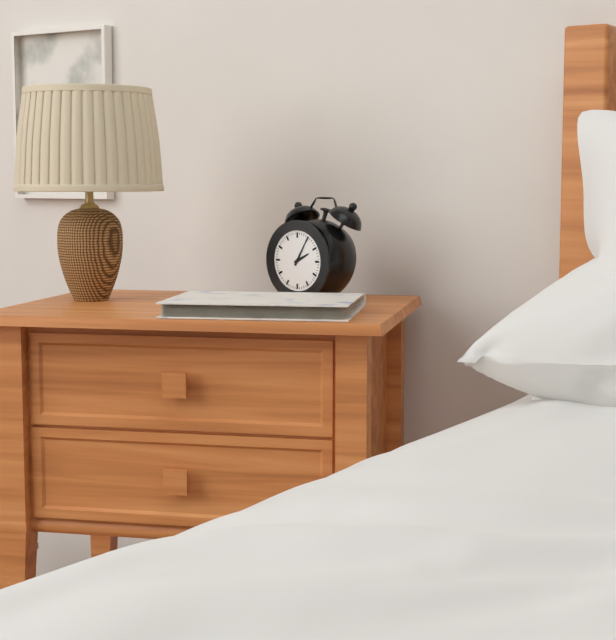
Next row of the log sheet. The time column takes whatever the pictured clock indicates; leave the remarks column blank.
2:05
